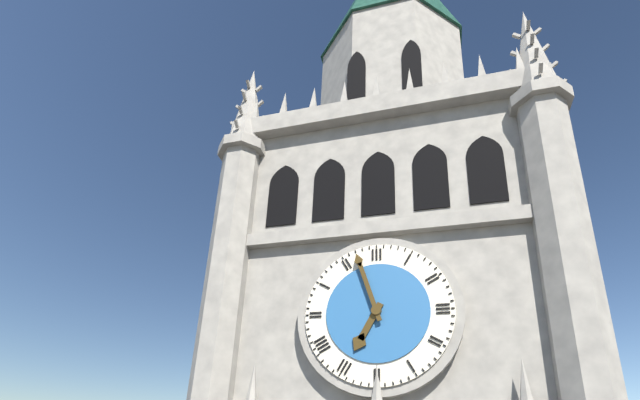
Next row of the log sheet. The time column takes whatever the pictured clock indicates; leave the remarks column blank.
6:57
